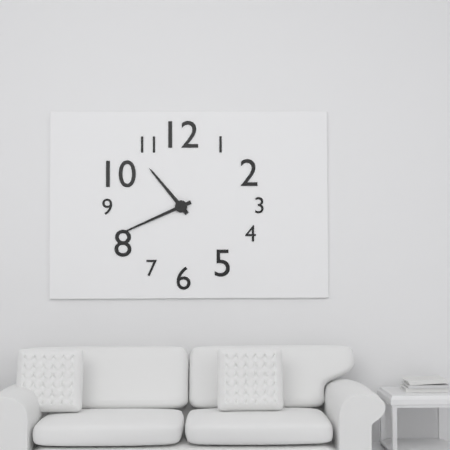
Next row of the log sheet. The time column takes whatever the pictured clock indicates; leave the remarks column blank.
10:41
